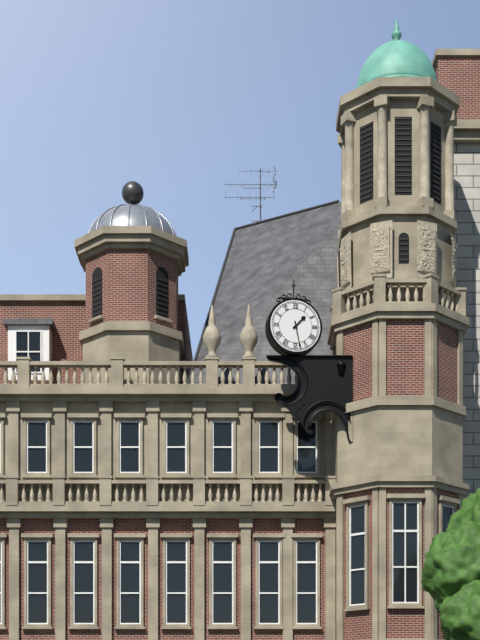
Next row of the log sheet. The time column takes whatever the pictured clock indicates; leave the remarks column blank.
1:28
